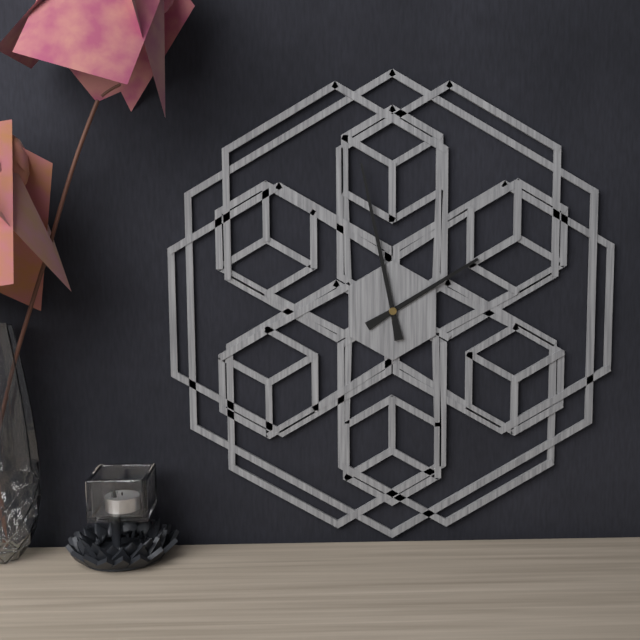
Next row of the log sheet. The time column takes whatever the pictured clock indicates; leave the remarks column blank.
1:58
